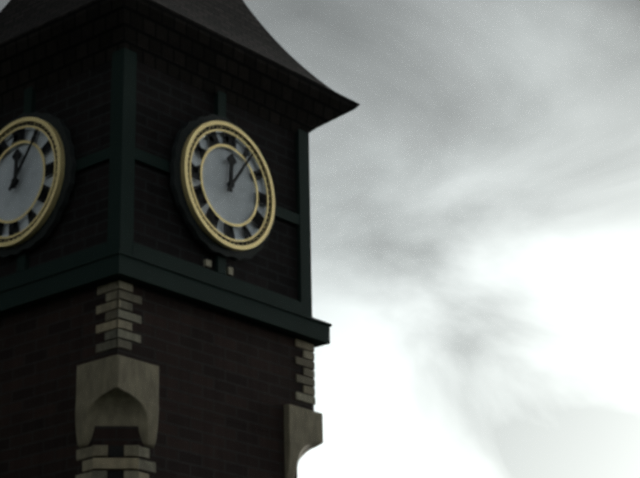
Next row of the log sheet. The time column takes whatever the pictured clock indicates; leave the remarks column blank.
12:06
